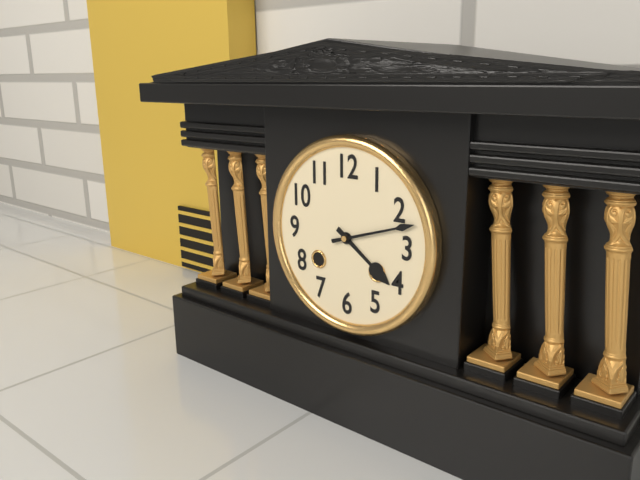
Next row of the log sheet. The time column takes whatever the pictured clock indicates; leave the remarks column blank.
4:12
